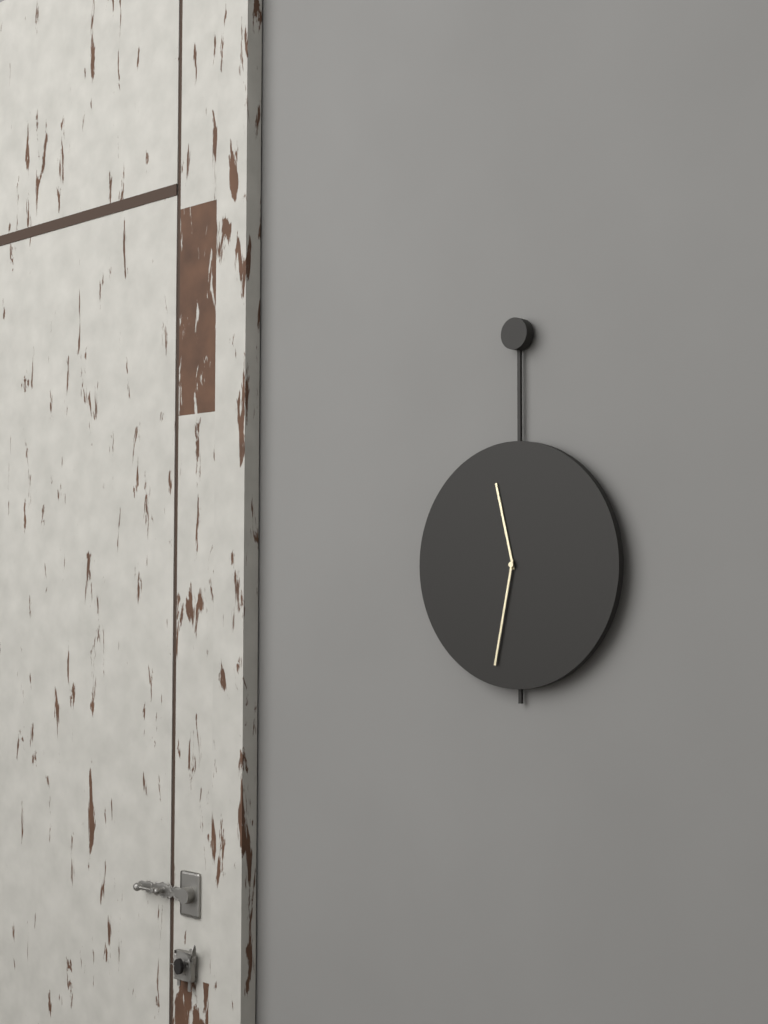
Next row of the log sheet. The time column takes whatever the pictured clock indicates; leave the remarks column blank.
11:32
